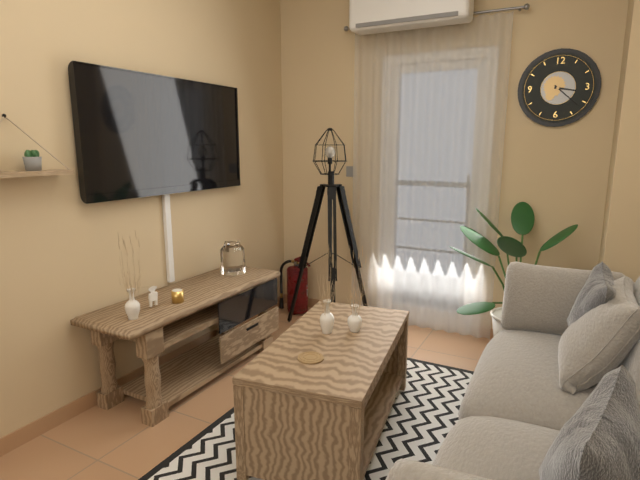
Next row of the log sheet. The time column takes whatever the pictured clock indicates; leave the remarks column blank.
3:22
